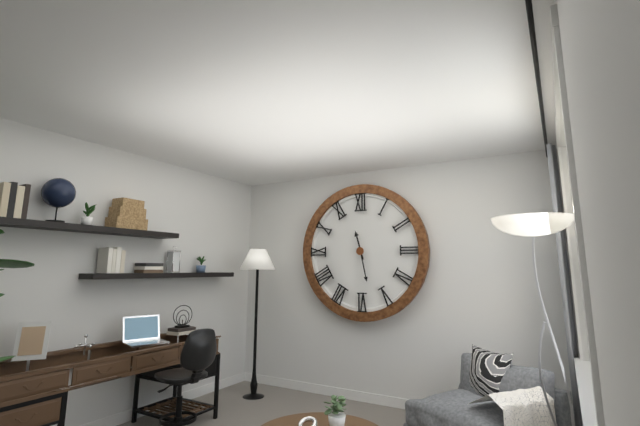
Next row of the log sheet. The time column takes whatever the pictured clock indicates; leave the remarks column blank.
11:28
